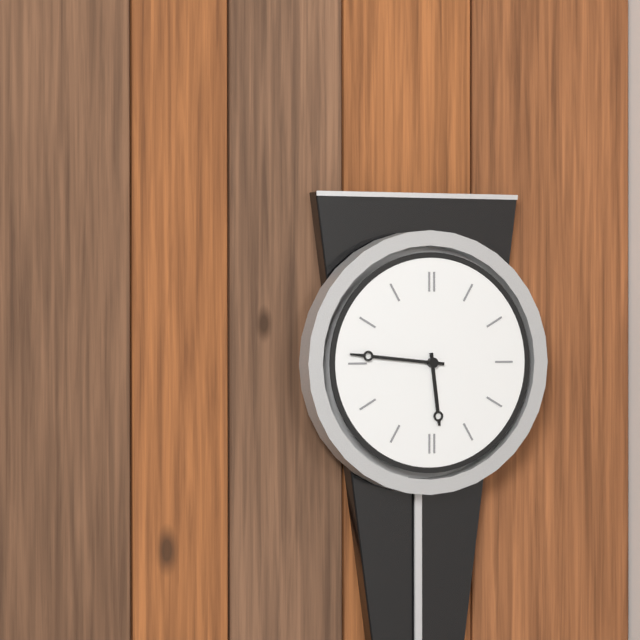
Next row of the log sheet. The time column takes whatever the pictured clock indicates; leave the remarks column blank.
5:46
